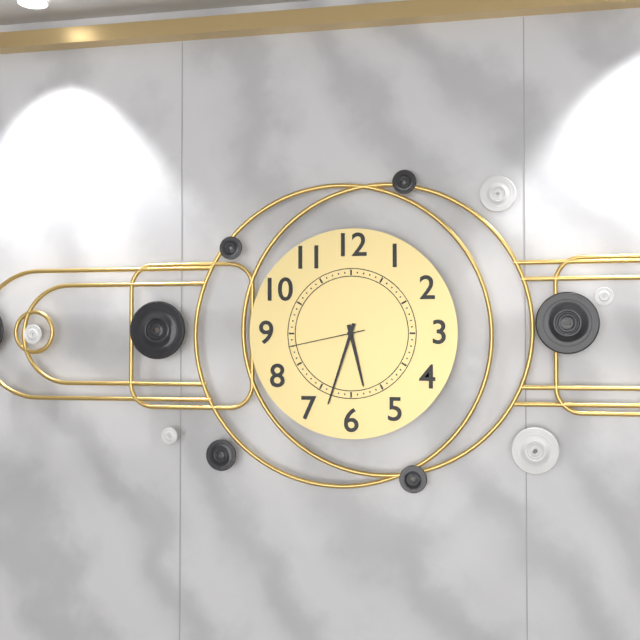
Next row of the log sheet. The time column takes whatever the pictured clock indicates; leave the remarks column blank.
5:33:43
